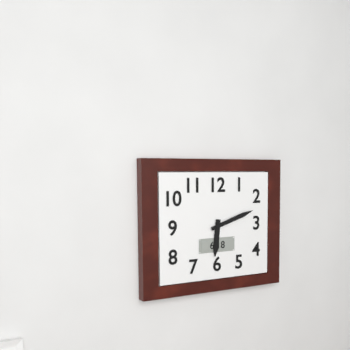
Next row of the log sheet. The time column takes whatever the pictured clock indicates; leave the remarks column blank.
6:12
